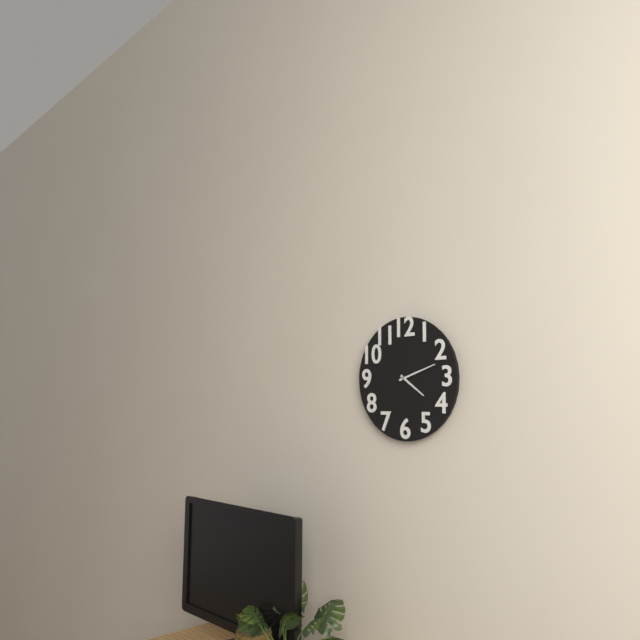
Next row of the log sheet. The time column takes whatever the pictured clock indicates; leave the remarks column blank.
4:12
